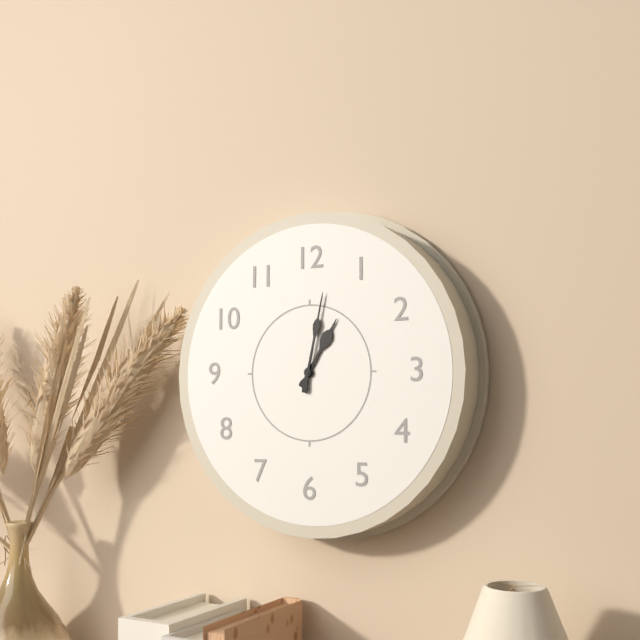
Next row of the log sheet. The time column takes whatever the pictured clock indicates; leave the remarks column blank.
1:02
